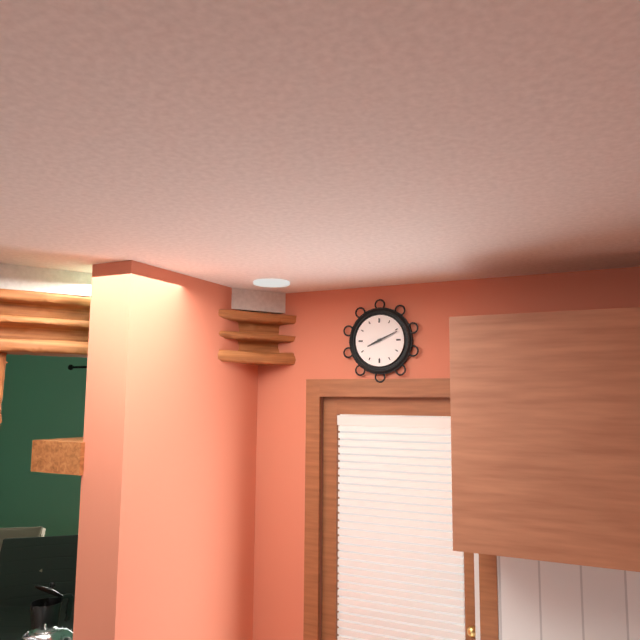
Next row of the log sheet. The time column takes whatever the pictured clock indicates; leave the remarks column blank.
8:11
